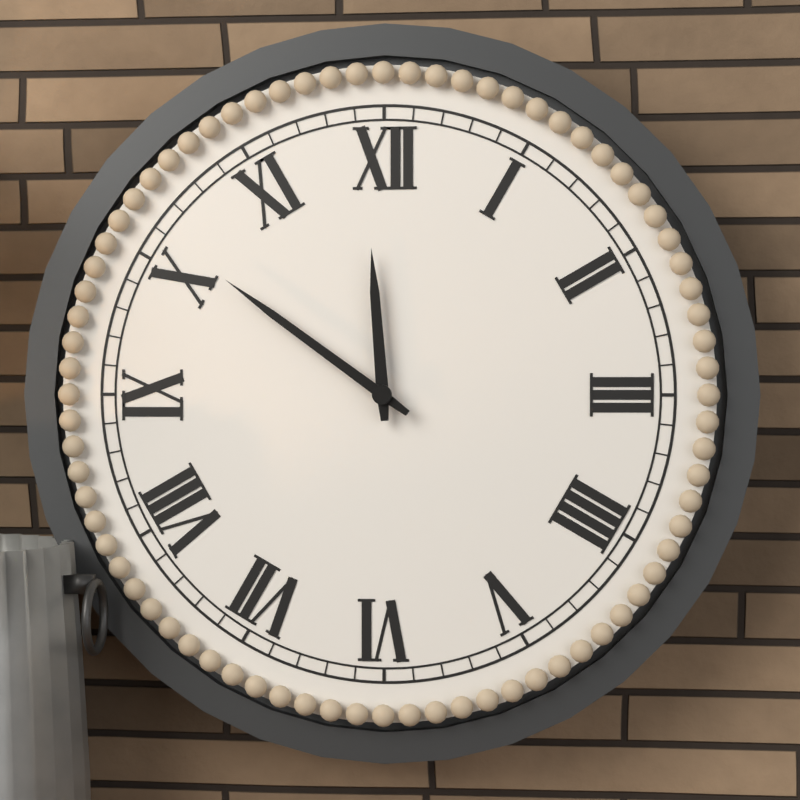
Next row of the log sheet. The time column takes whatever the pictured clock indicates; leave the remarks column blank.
11:51
